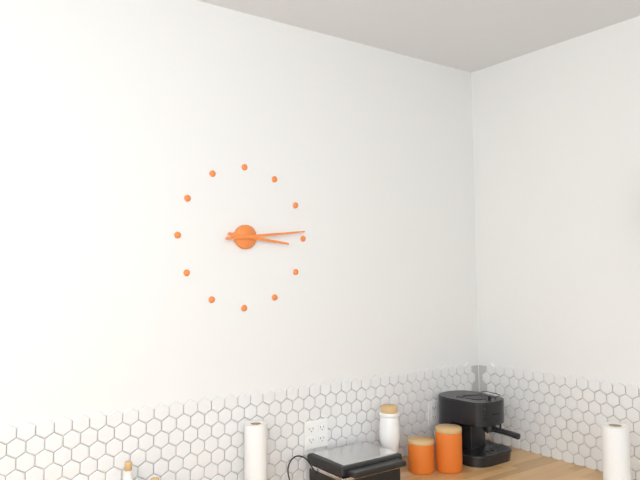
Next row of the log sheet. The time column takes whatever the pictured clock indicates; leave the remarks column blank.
3:14
